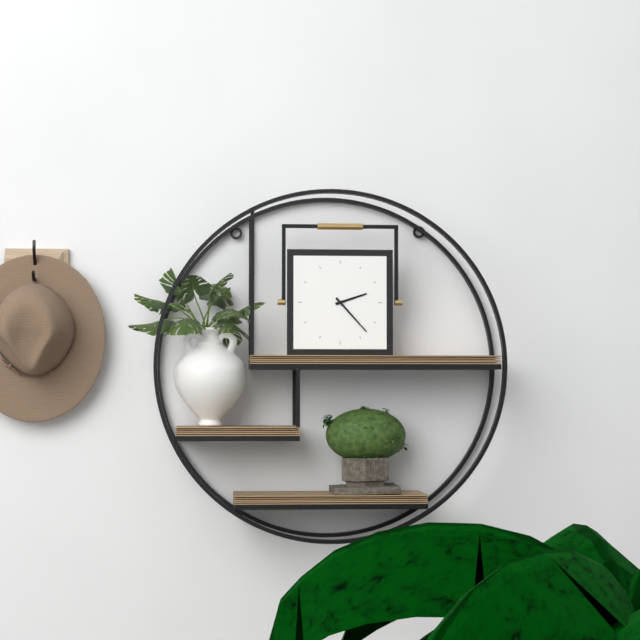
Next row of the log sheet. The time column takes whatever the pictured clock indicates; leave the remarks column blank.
2:23
